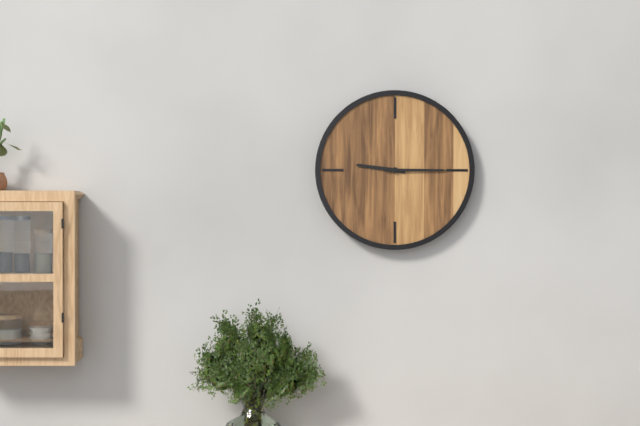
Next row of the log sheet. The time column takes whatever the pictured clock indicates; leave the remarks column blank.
9:15
